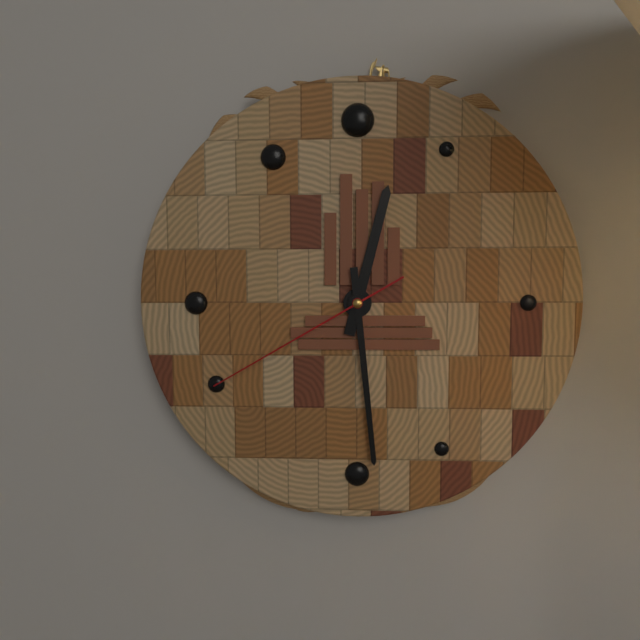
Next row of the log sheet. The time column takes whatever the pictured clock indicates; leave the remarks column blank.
12:29:40
